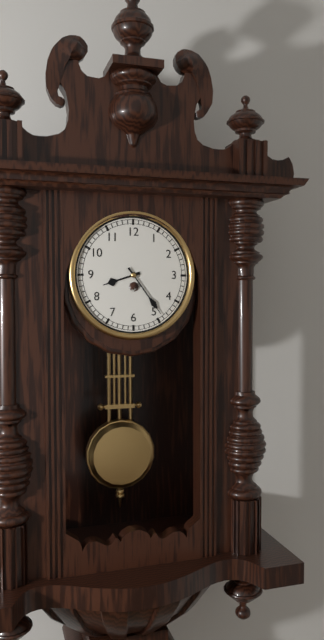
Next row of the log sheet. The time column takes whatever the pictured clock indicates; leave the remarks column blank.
8:24
